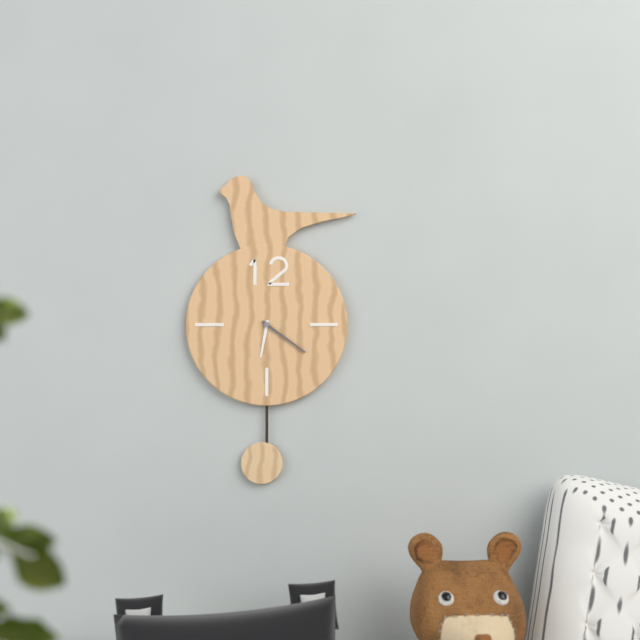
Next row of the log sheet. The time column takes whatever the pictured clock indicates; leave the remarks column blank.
6:21
